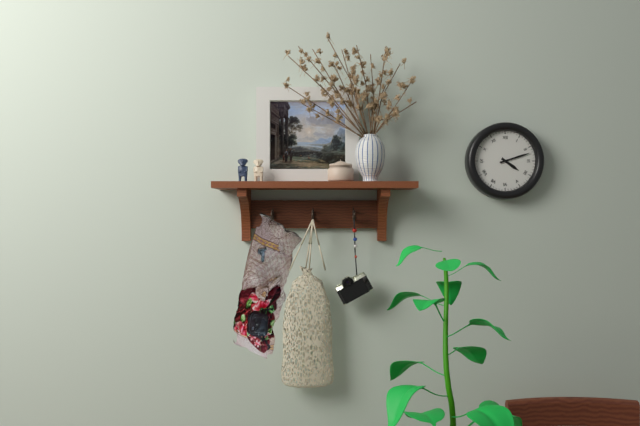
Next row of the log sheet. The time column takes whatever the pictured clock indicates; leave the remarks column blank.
4:12
